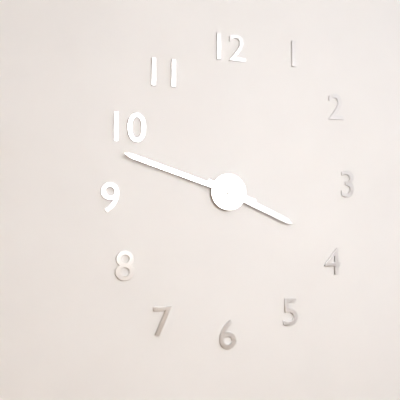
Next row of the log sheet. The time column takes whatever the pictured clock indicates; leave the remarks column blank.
3:48
